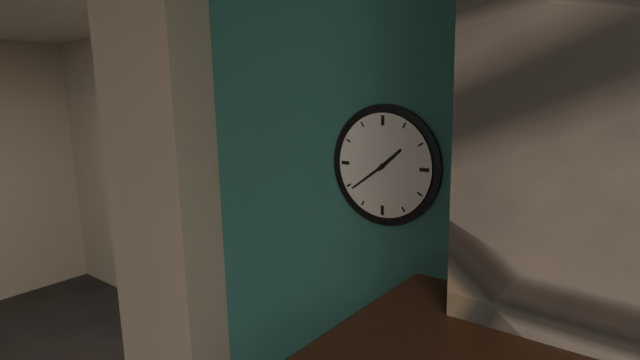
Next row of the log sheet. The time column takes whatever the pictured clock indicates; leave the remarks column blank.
1:39
